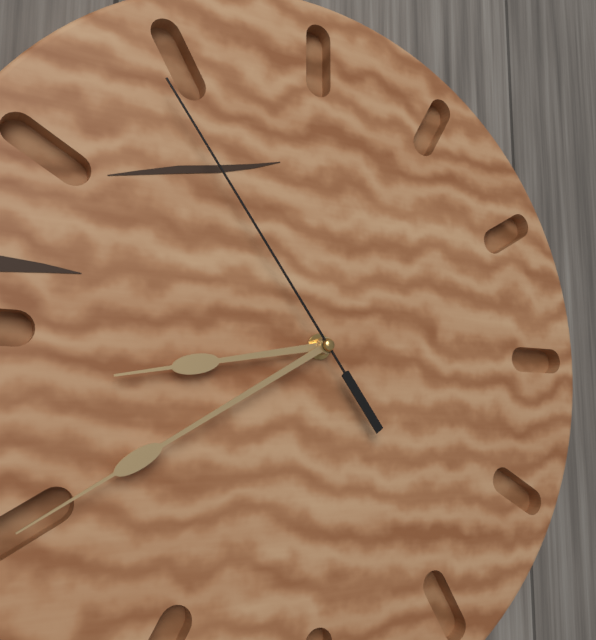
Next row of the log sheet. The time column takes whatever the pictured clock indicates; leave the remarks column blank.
8:40:54
